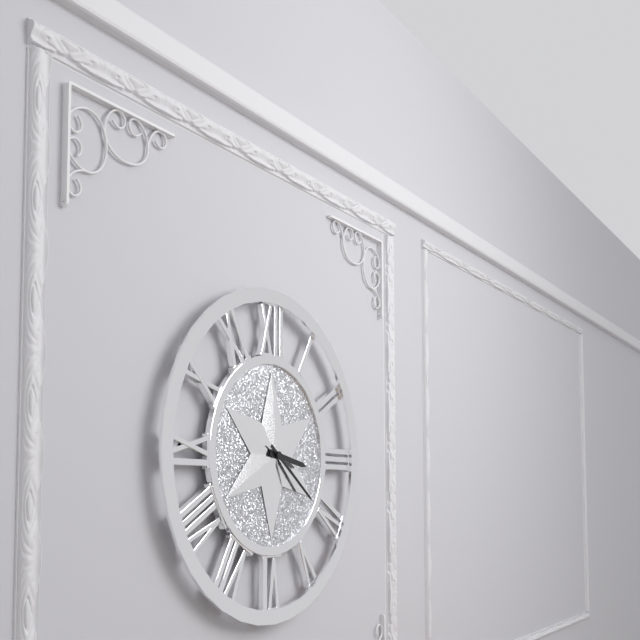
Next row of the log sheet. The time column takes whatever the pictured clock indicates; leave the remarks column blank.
3:21
